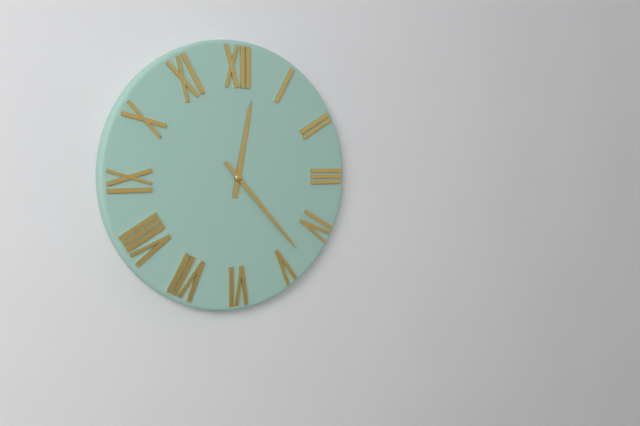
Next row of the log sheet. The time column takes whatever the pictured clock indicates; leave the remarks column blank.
12:23
